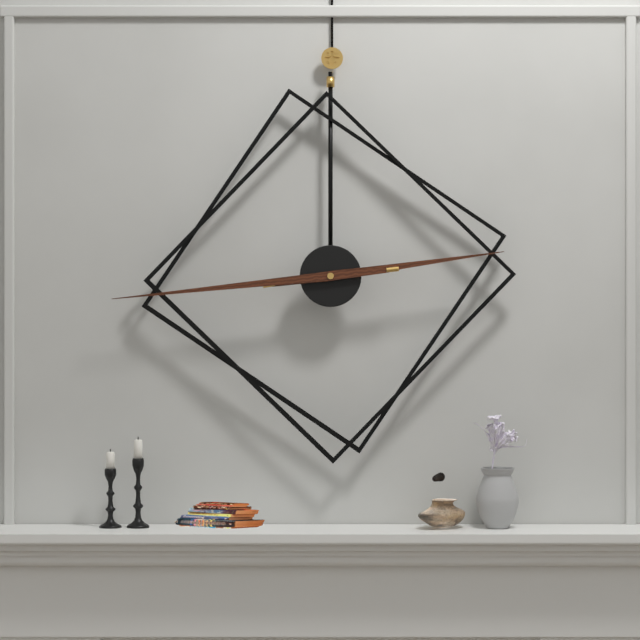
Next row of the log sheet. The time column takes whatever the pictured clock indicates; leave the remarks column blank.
2:44
